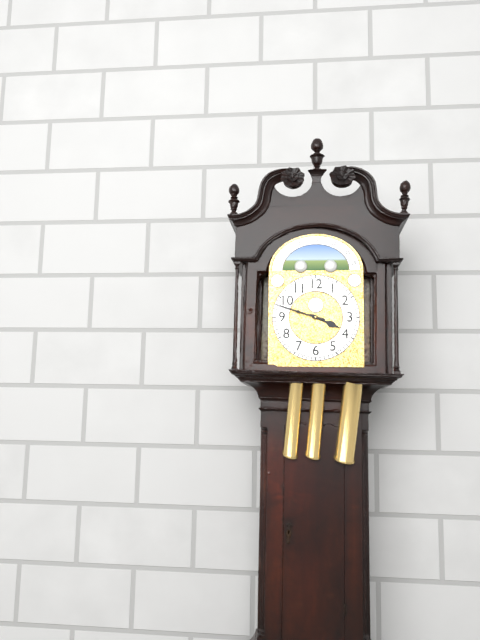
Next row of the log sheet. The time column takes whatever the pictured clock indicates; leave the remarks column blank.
3:48
